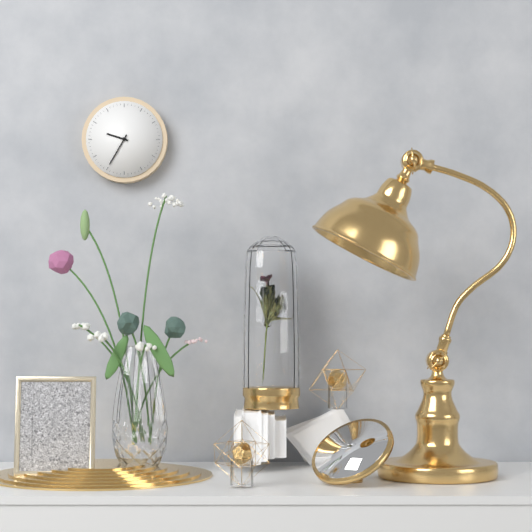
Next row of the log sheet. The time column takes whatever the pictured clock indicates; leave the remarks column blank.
9:35
